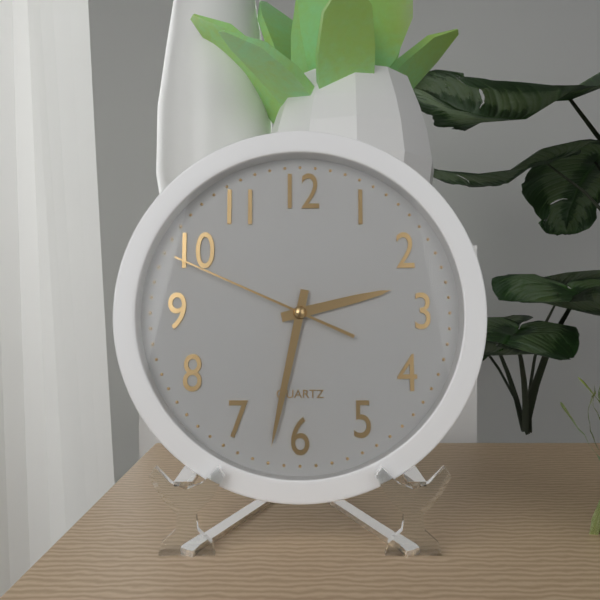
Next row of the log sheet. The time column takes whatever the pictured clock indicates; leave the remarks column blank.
2:32:49
